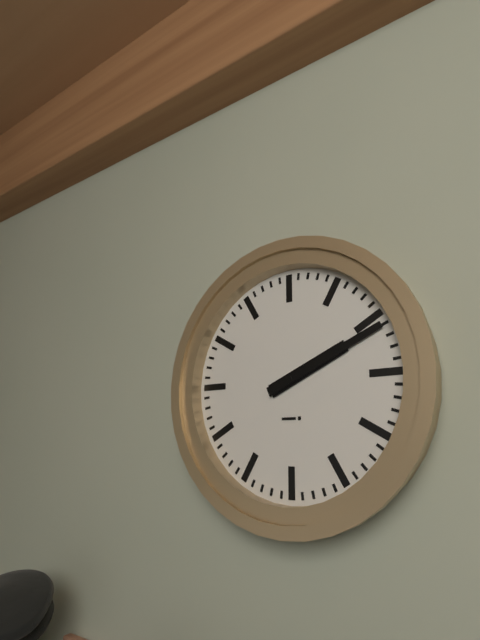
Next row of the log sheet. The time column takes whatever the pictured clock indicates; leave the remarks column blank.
2:11
